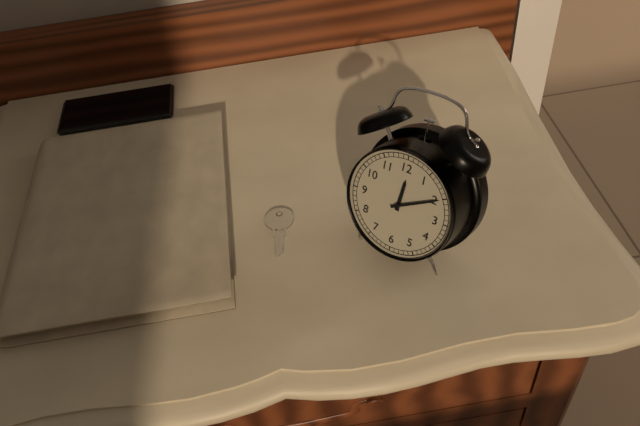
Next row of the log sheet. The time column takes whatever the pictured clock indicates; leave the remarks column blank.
12:10
